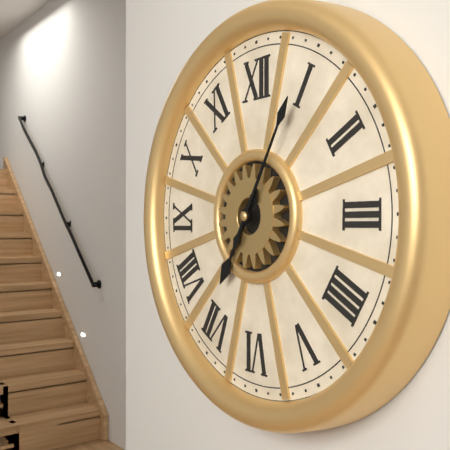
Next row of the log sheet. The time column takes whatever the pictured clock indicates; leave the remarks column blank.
7:05
